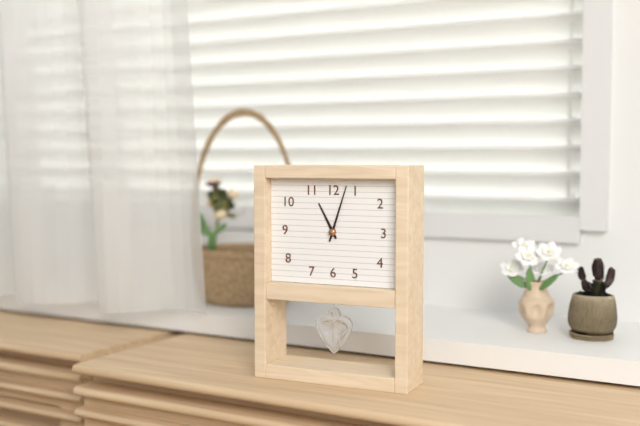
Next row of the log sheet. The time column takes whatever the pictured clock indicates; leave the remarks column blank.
11:03
